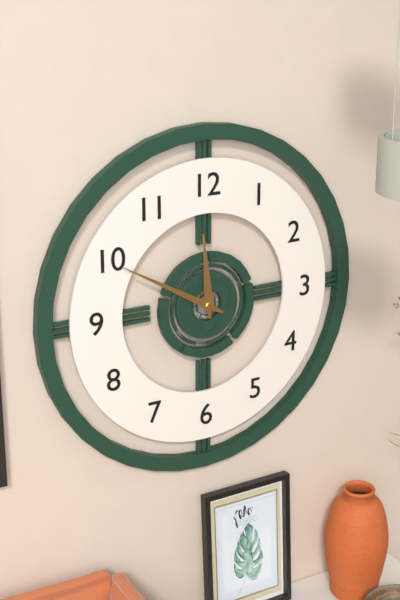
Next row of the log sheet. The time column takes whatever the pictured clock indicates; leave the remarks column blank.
11:50
